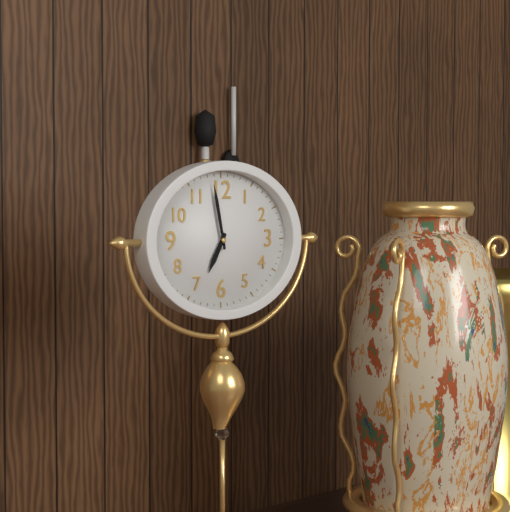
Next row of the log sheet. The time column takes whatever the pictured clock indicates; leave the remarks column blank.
6:58
